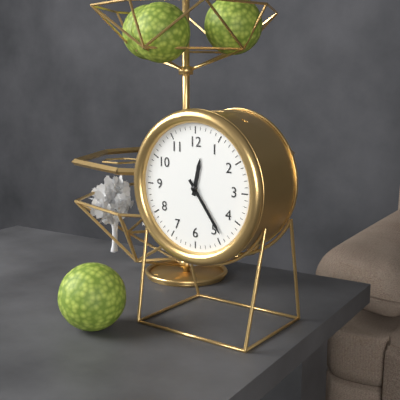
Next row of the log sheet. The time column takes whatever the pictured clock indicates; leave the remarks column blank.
12:24
